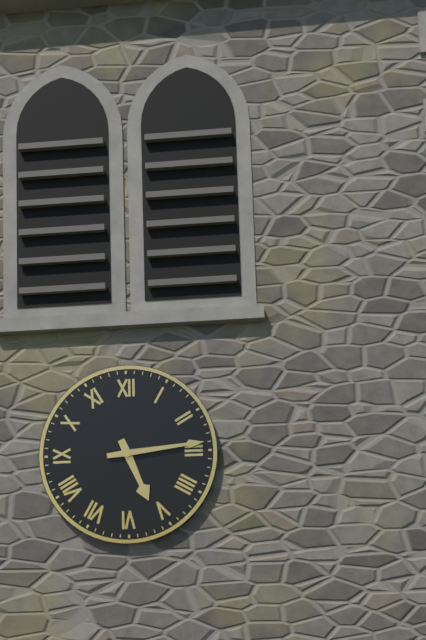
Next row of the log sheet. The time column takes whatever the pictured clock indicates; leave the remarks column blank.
5:14
